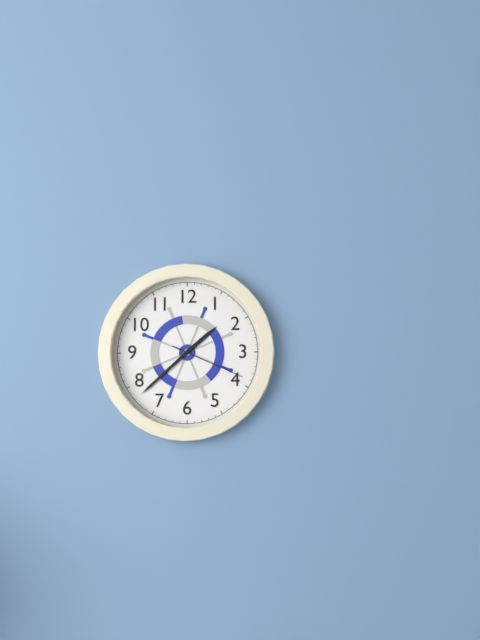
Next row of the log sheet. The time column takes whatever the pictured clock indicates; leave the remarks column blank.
1:38:19
